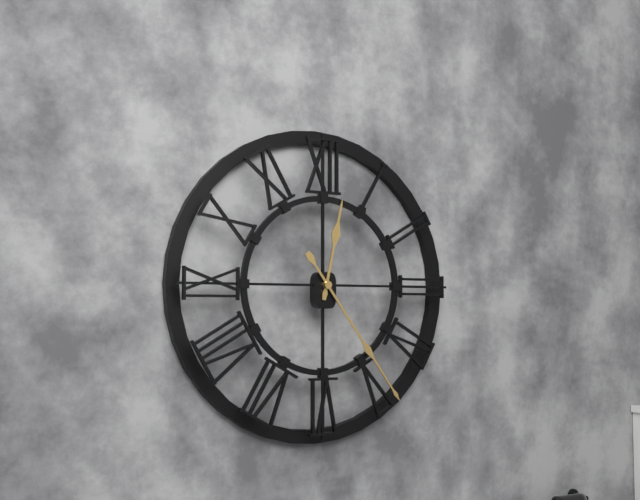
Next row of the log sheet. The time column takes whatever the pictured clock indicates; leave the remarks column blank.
12:24
